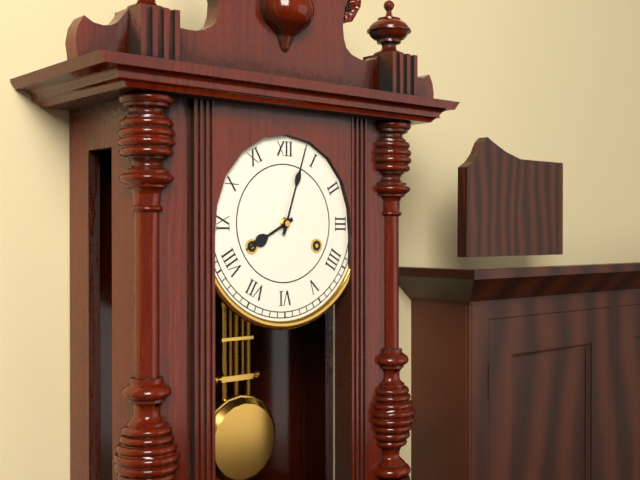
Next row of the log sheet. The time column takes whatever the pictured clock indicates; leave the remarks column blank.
8:03
